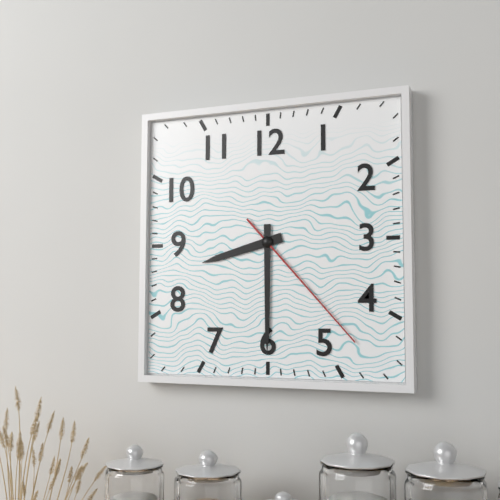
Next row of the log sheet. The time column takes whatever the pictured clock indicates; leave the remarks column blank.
8:30:23
